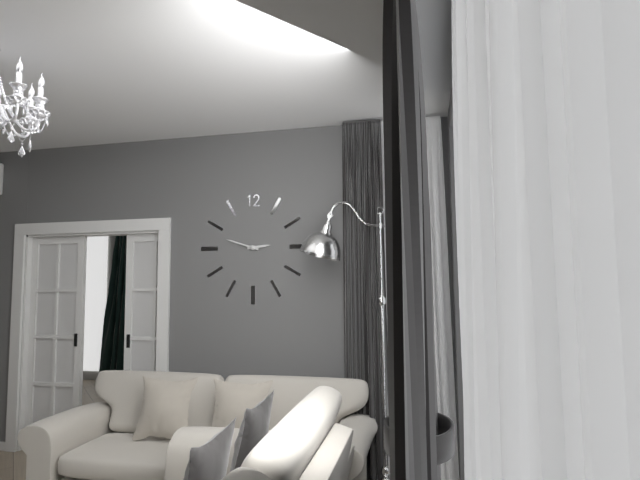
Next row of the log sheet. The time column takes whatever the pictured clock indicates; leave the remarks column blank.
2:48
